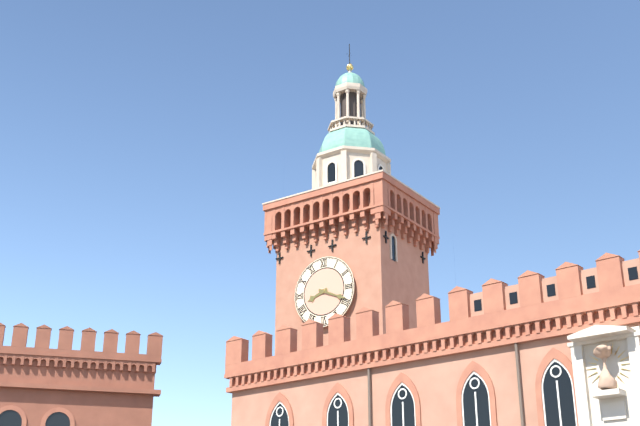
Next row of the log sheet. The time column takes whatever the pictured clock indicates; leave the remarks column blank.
8:19
